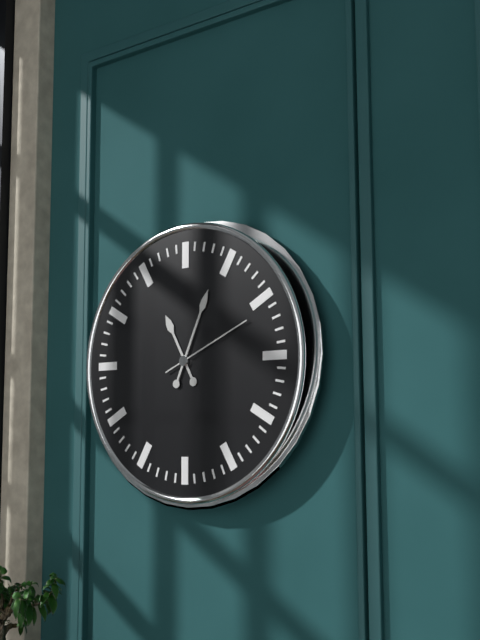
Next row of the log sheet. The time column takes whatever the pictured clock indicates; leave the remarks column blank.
11:04:11
